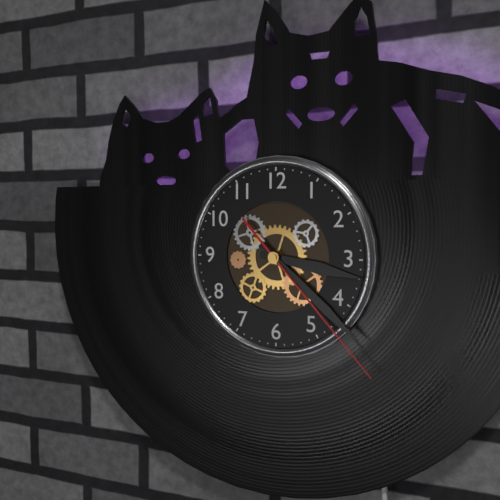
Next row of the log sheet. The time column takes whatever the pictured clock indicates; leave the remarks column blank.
3:22:23
